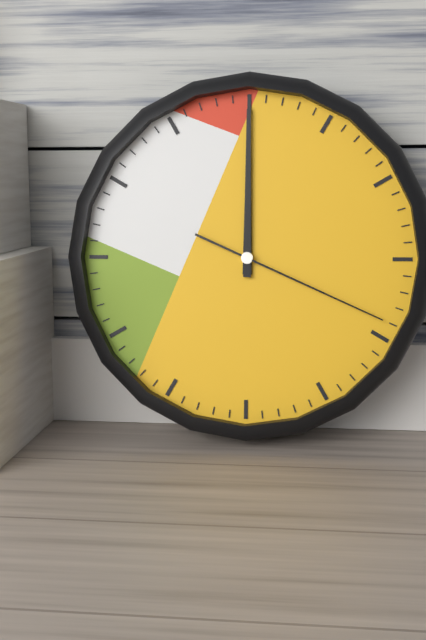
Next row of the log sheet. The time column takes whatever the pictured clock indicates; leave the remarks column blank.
12:00:19
